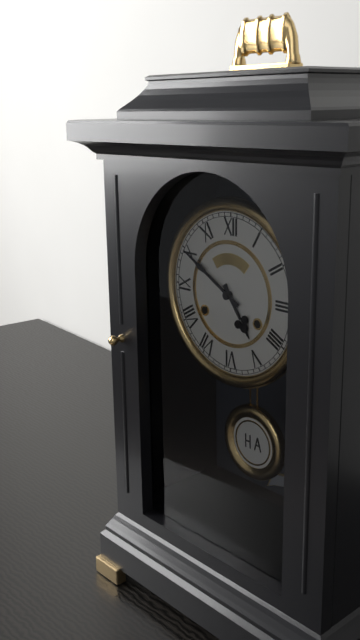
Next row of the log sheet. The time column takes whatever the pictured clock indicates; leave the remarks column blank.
4:50
